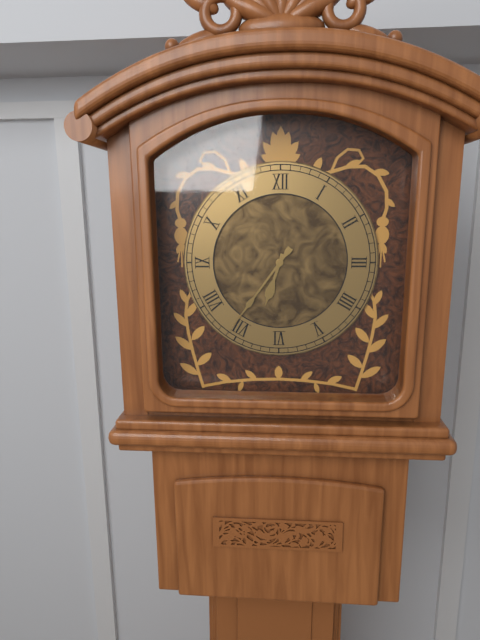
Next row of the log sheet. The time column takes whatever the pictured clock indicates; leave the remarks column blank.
6:36
